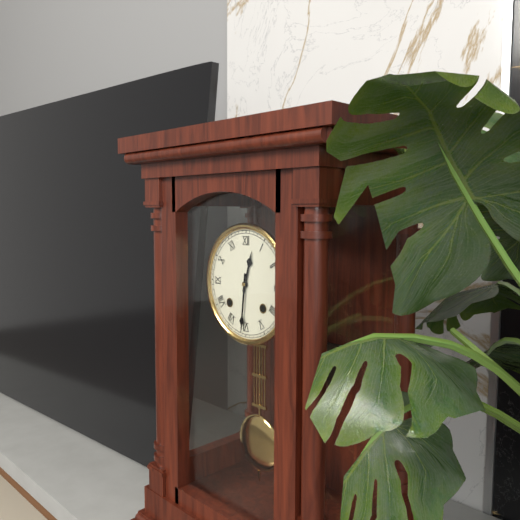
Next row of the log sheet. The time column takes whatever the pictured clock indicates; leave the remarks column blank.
12:31
